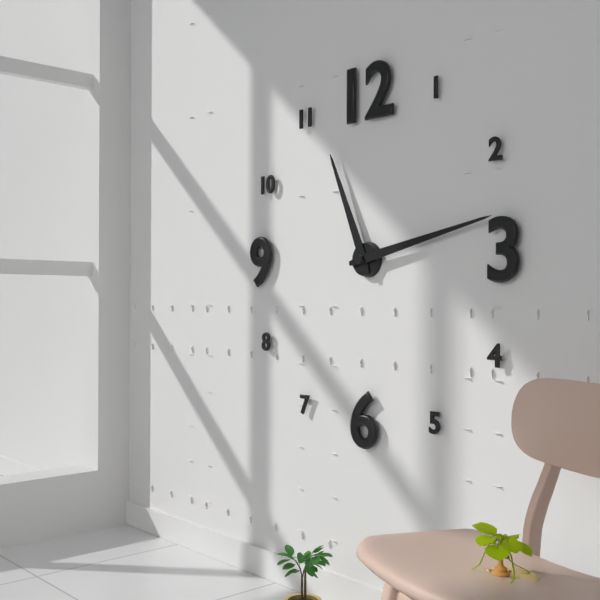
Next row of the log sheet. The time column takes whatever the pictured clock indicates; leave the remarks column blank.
11:13
